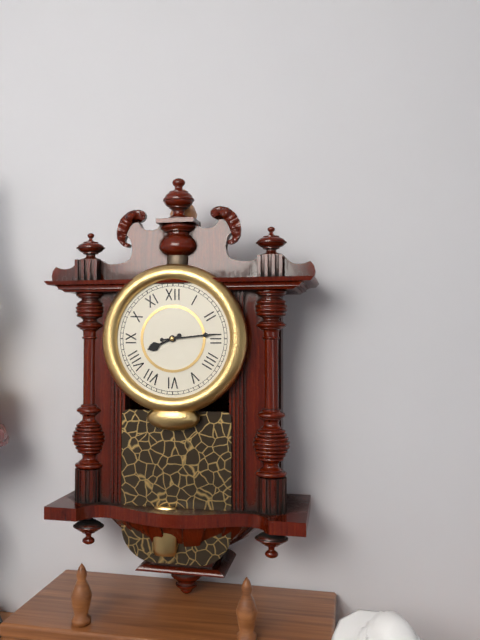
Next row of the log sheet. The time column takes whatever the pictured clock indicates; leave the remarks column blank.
8:14
